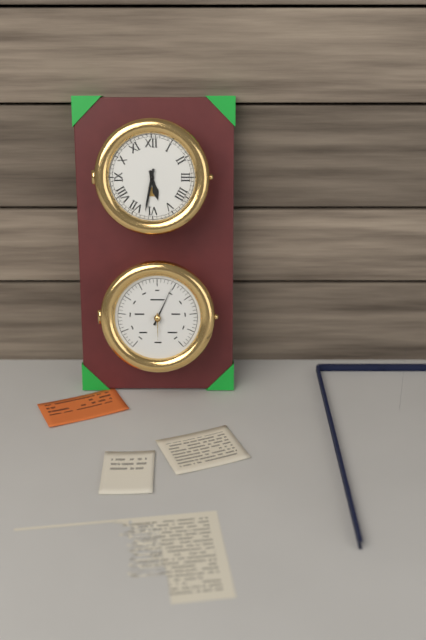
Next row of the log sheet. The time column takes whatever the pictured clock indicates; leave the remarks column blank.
5:32
